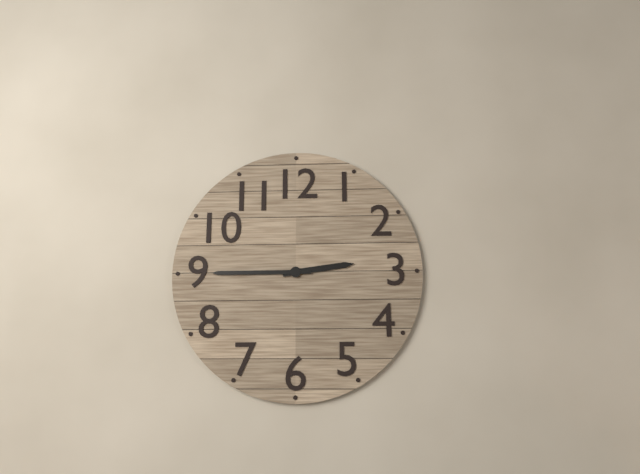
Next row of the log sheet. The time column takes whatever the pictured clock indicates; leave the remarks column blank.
2:45
